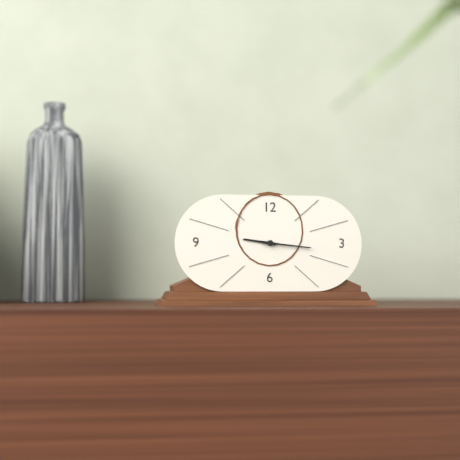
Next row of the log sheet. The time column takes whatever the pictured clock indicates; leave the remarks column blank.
9:16
